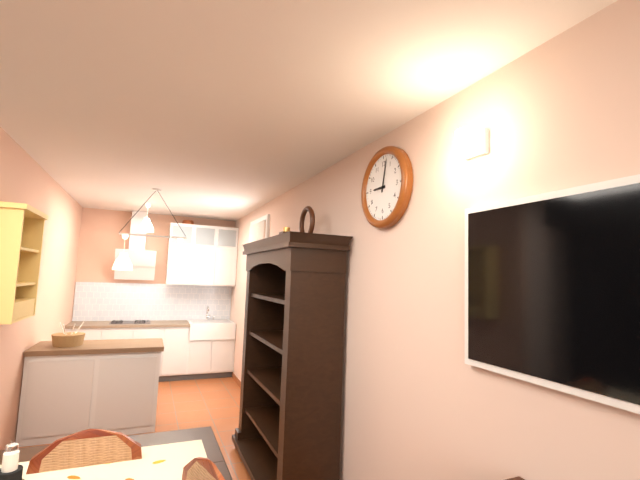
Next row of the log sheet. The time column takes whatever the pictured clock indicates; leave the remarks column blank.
9:02
